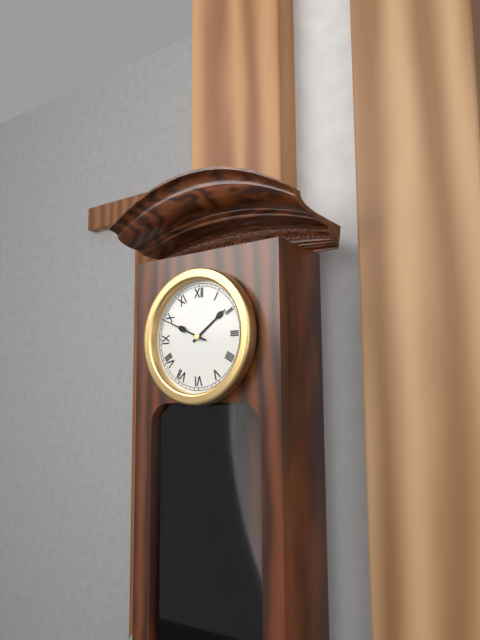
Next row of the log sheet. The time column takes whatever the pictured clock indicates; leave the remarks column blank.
1:49
